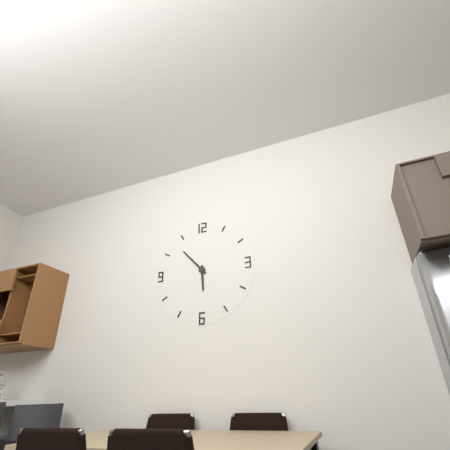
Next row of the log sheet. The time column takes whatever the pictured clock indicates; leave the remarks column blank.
5:53
